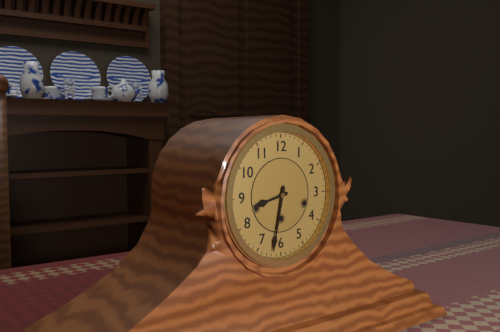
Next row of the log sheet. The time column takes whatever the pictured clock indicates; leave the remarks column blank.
8:32
